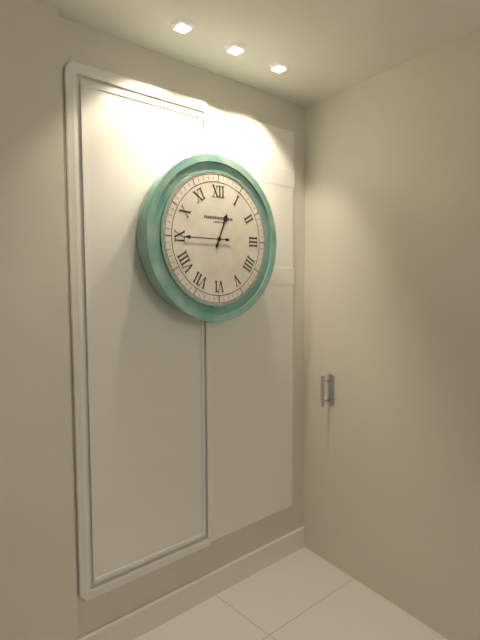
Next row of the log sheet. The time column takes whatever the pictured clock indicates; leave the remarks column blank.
12:45
